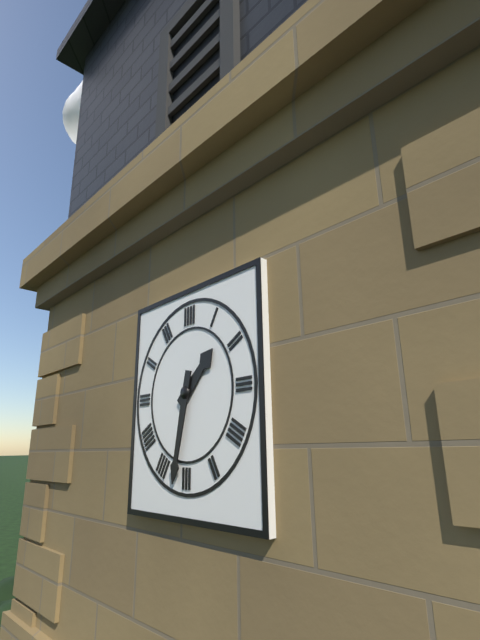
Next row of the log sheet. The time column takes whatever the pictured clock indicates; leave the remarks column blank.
1:32
